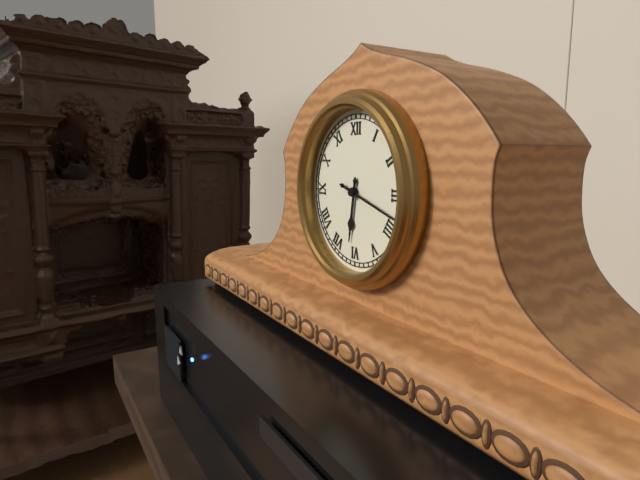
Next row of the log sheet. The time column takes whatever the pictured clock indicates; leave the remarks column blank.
6:18
